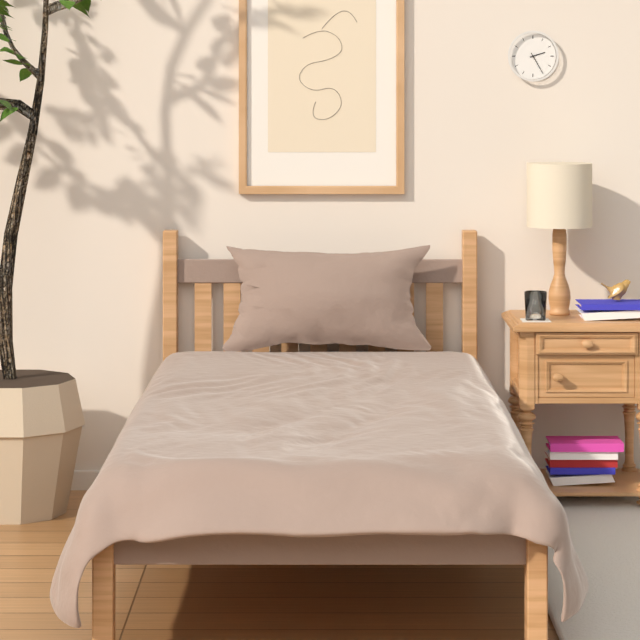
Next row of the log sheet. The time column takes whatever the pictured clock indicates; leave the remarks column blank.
2:25
